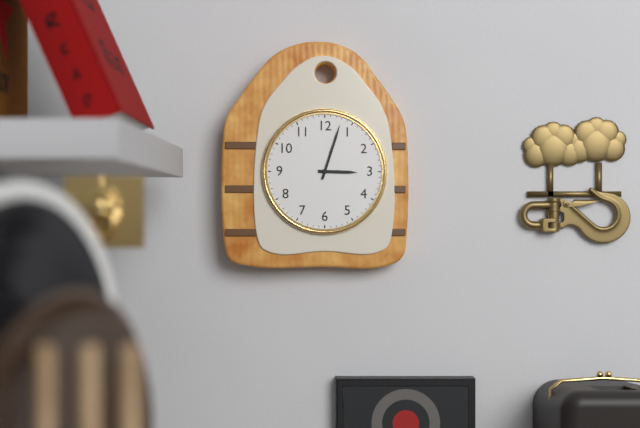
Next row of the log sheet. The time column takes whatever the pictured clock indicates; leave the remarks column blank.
3:03
